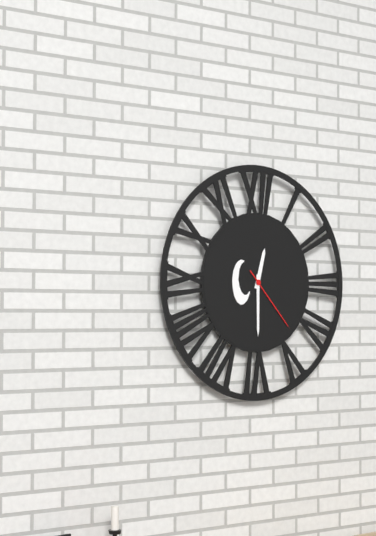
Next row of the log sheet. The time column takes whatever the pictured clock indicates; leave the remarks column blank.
12:30:23
